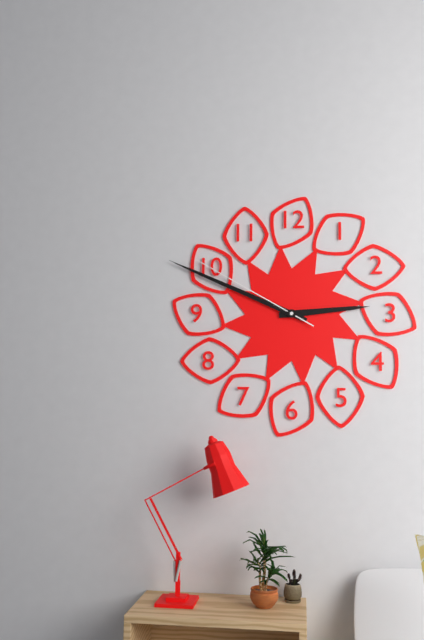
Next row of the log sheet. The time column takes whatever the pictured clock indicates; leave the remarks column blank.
2:49:50
